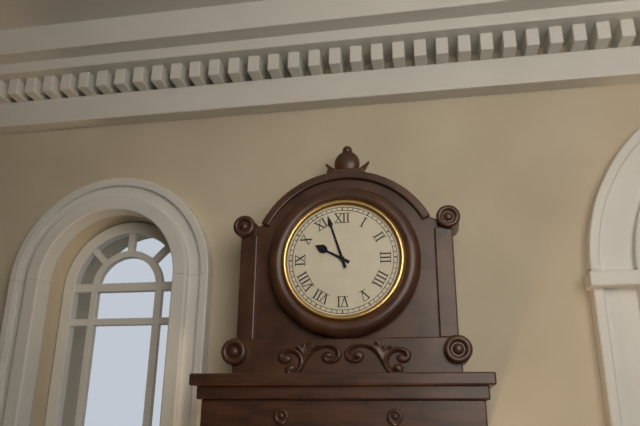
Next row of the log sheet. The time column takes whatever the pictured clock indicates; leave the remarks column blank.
9:57
